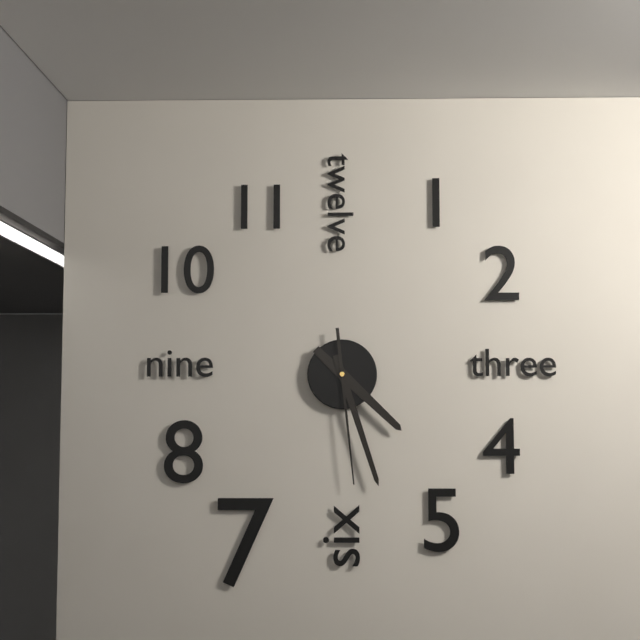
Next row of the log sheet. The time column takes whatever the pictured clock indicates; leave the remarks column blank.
4:27:29
